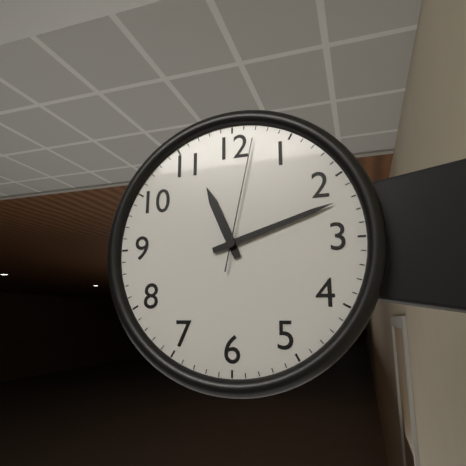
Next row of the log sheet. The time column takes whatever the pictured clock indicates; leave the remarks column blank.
11:12:02
